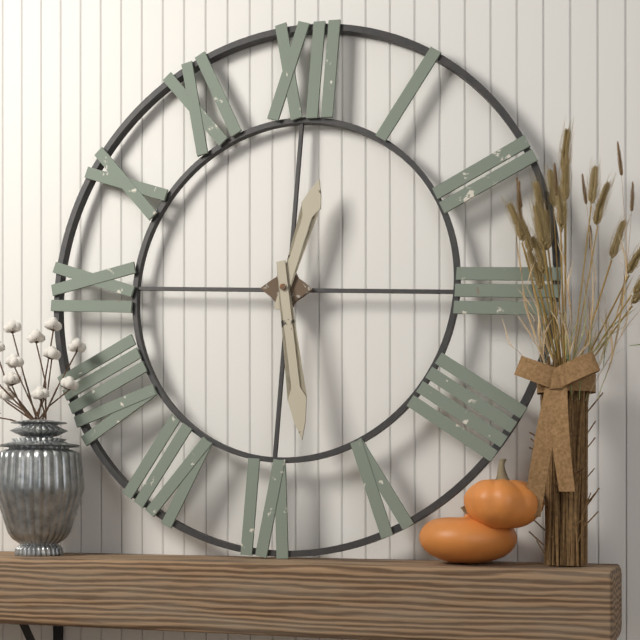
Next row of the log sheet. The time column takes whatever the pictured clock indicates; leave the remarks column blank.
12:28
